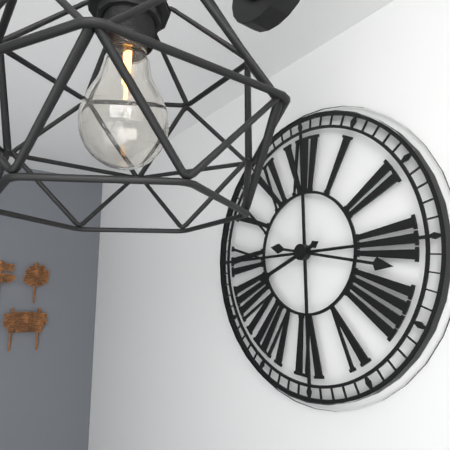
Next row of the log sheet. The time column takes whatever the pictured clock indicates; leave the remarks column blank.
8:17
